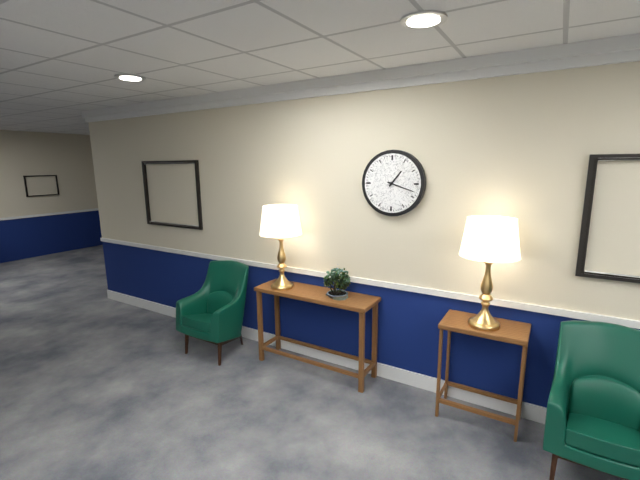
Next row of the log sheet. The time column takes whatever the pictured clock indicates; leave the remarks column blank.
1:18
